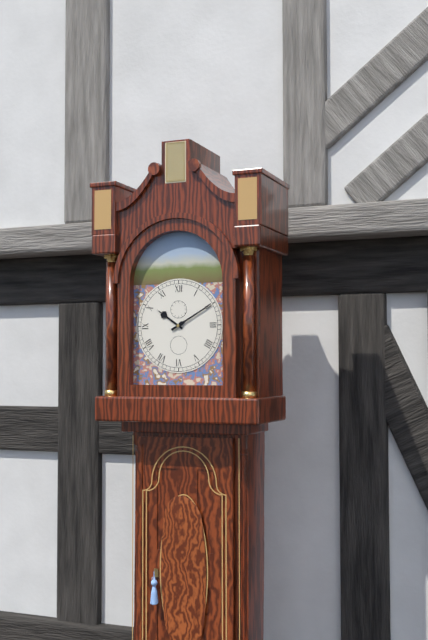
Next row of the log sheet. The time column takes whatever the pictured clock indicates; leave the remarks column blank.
10:10
